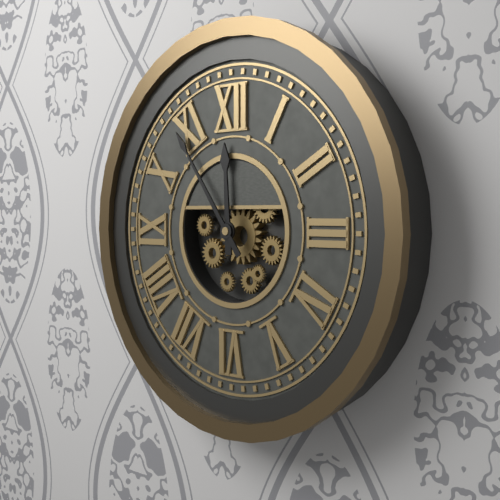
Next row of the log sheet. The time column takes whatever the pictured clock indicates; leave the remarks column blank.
11:54
